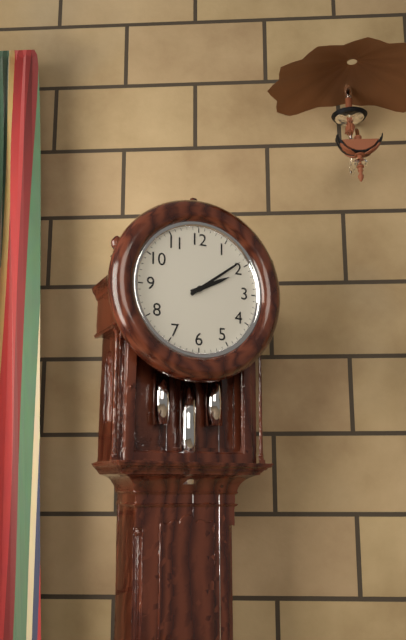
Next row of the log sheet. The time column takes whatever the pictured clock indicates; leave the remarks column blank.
2:09
